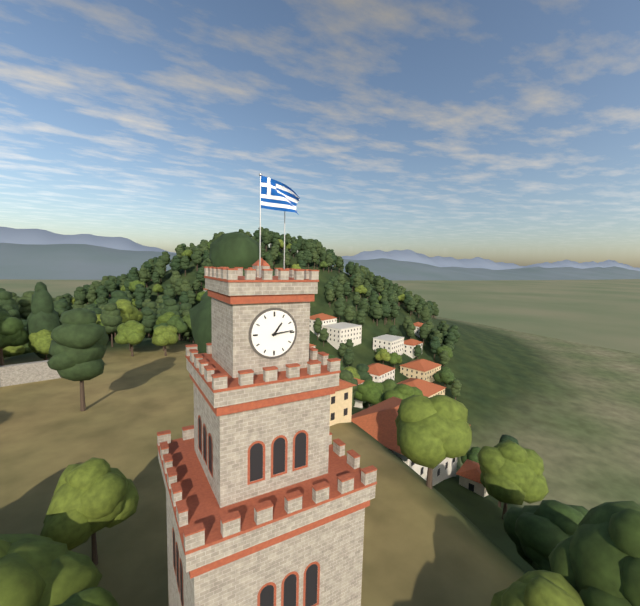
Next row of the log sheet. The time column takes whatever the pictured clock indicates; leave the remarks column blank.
1:14
